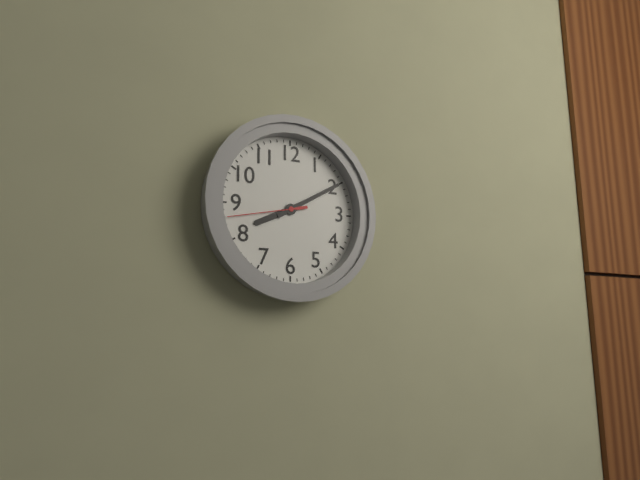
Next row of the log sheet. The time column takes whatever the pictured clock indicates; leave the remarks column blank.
8:10:43
